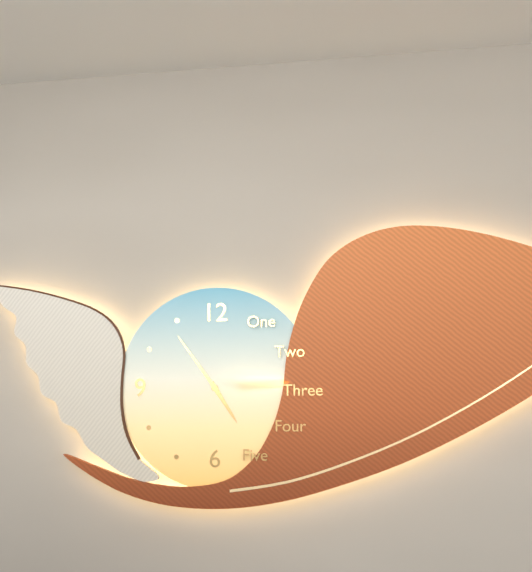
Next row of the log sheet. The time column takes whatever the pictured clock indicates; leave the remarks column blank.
4:54
